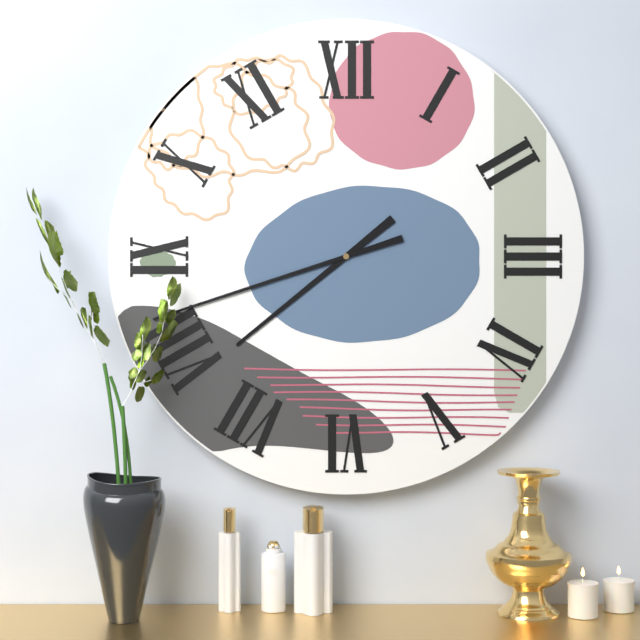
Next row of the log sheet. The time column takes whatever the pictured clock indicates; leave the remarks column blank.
7:42
